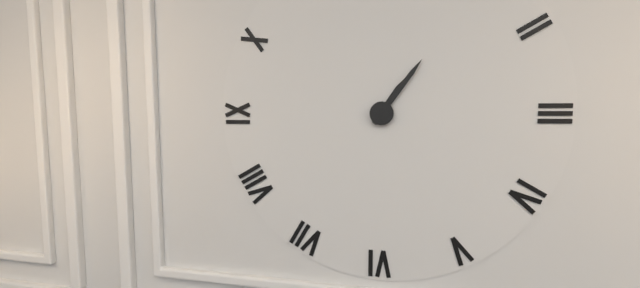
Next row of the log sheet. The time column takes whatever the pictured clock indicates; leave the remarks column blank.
1:06
